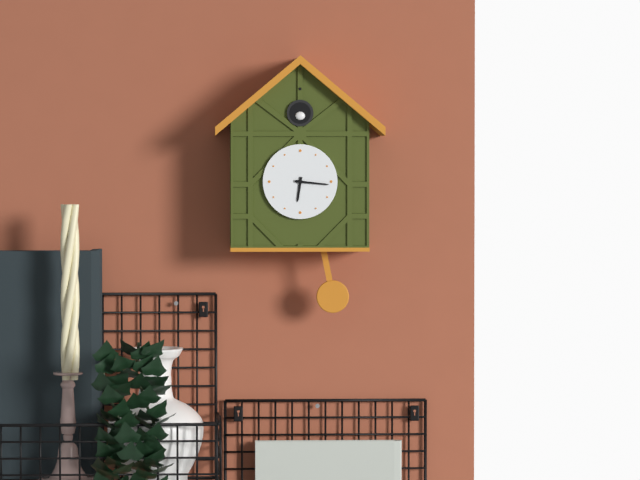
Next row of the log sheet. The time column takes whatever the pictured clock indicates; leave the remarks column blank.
6:16
